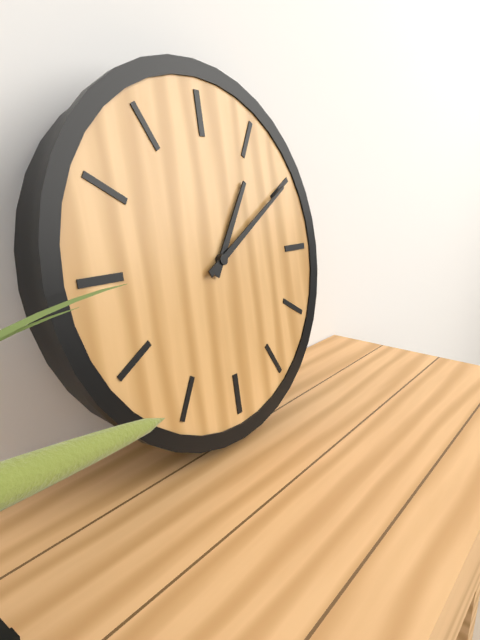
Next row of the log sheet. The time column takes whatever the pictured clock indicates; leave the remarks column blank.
1:10
